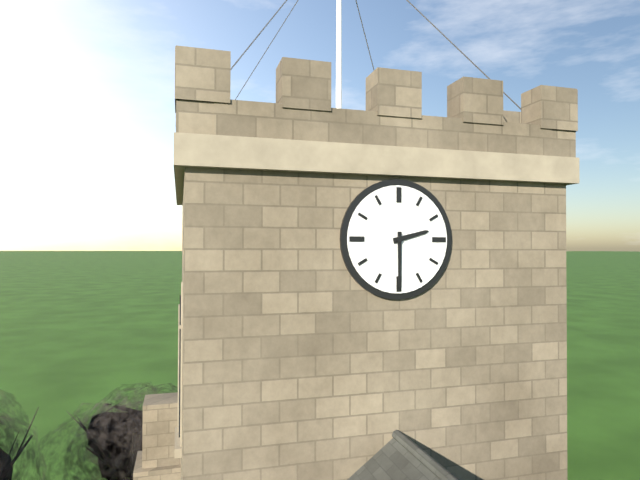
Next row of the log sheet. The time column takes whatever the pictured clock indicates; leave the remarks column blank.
2:30
